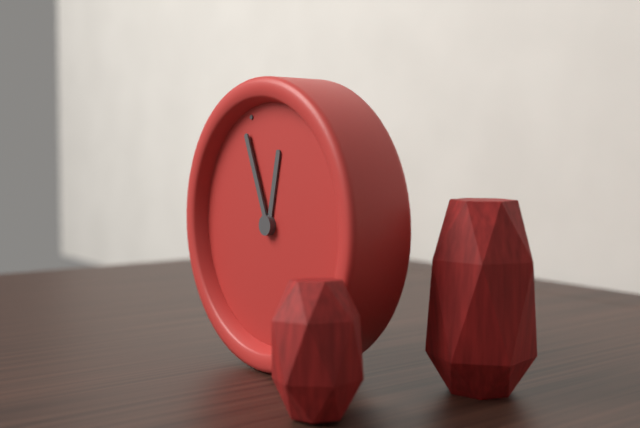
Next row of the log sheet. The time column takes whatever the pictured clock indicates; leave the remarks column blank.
12:59
